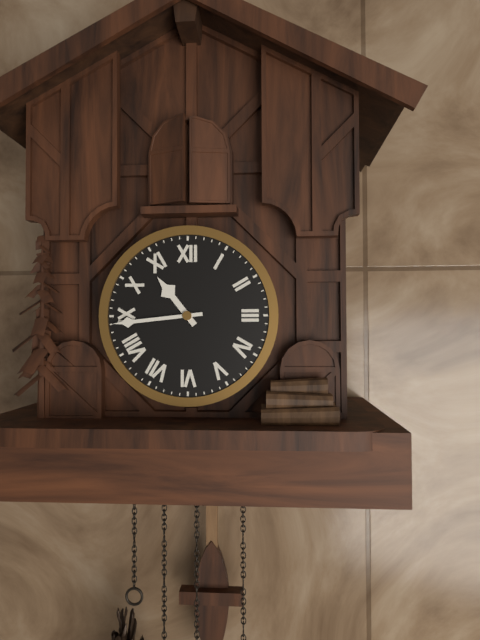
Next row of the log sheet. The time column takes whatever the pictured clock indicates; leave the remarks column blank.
10:44
